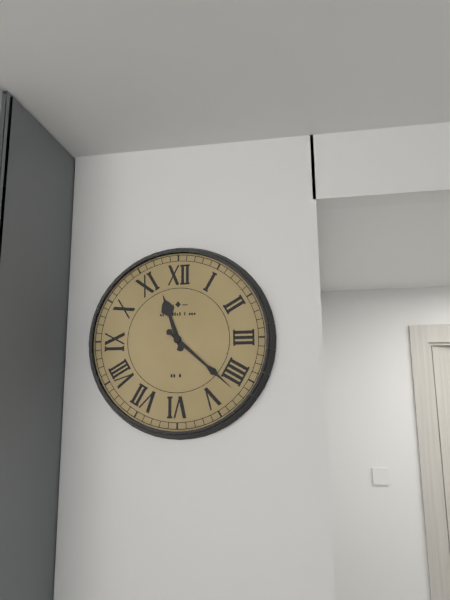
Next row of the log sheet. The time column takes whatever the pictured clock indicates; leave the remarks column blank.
11:22
